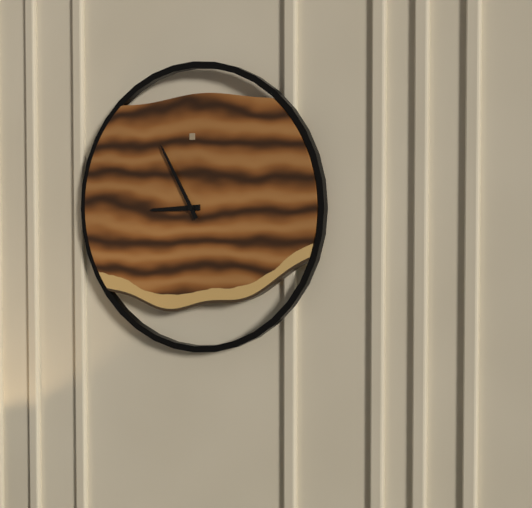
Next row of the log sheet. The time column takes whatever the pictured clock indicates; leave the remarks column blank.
8:55
